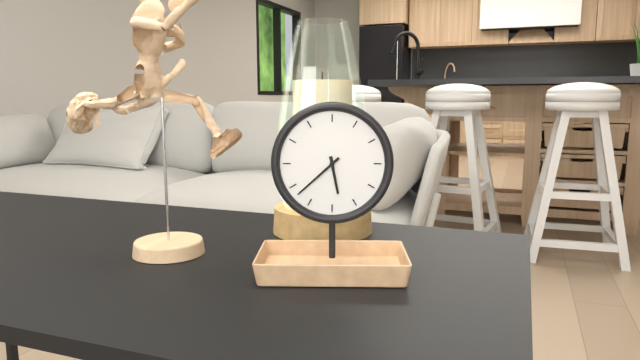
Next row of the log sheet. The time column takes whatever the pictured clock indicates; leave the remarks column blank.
5:38
